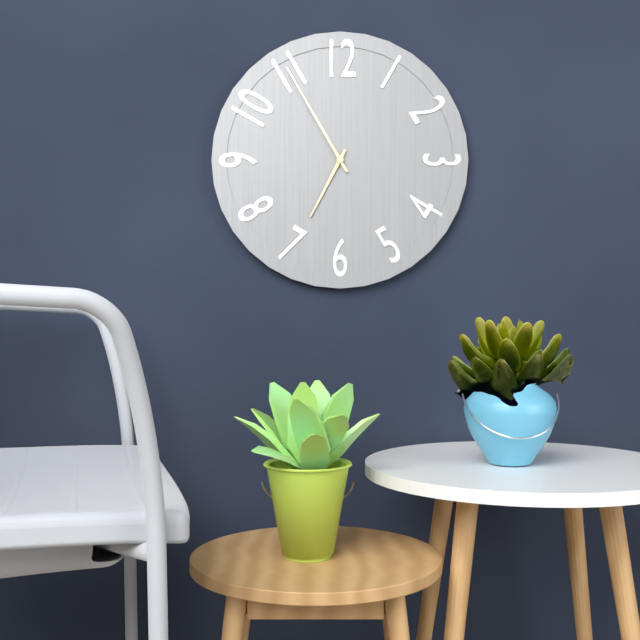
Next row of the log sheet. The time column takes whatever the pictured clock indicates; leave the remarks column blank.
6:55
